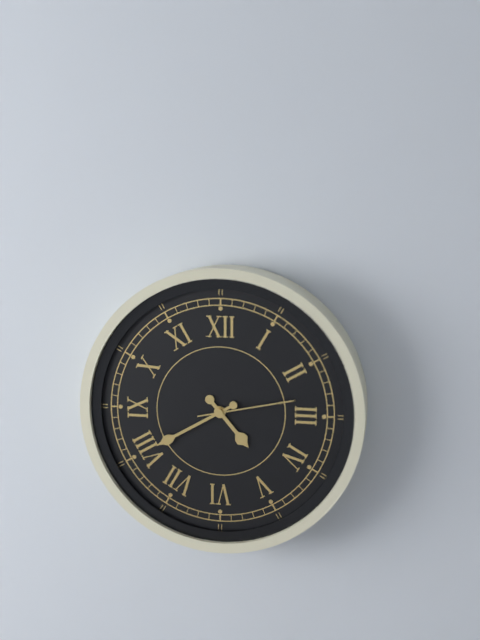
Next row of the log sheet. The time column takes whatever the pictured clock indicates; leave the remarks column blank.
4:40:13
